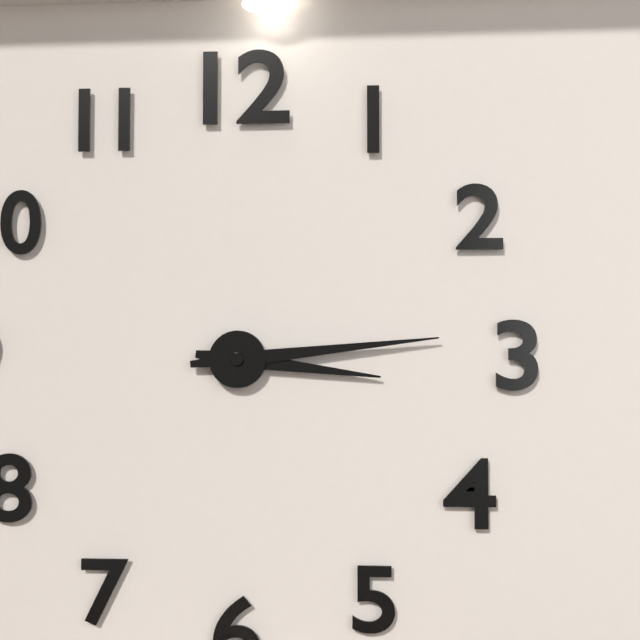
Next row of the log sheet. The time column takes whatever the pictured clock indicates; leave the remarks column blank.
3:14
